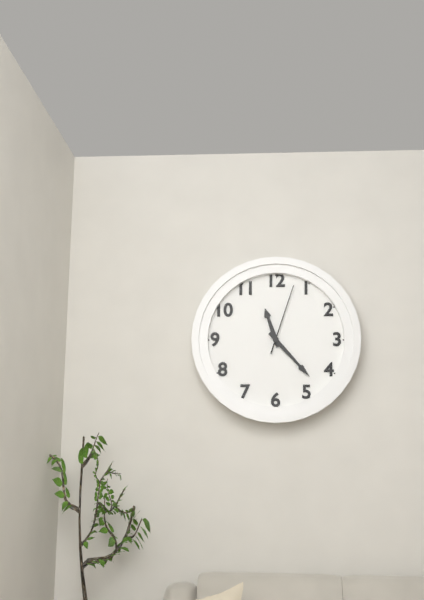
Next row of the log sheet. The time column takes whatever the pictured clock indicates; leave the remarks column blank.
11:23:03
